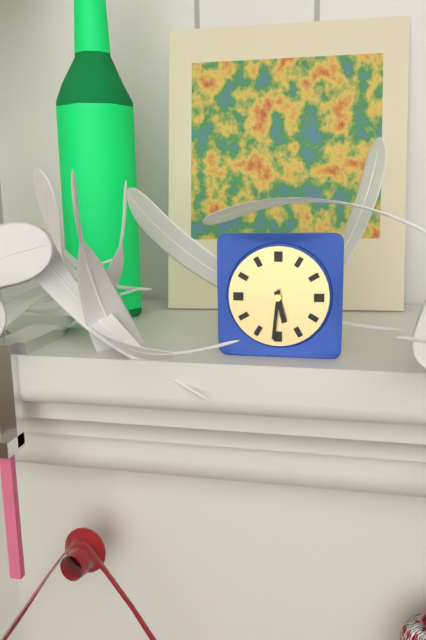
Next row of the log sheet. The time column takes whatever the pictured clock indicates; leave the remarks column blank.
5:31
